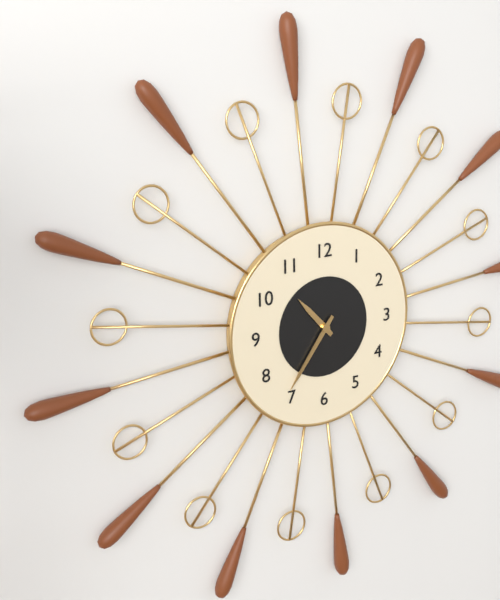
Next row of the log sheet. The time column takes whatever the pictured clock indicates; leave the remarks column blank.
10:36
